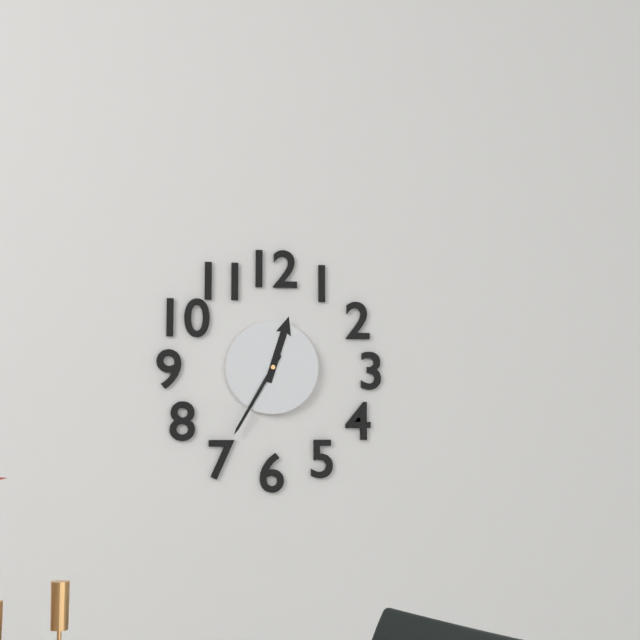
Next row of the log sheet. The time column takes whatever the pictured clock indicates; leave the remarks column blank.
12:35
